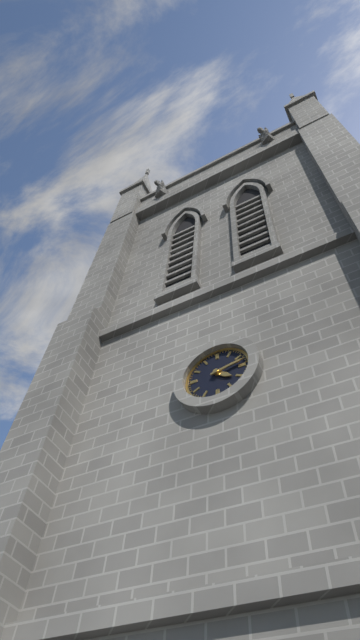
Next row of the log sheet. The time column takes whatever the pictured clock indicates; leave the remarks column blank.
4:13
